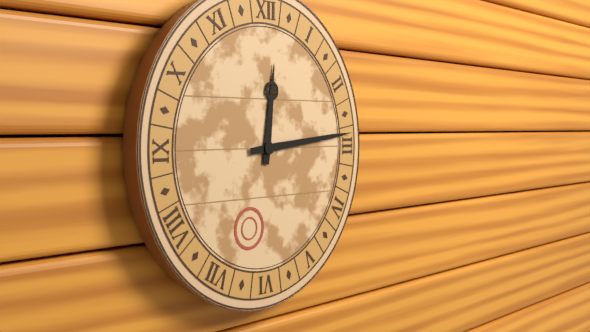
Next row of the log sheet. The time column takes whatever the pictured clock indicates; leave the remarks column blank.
12:14
